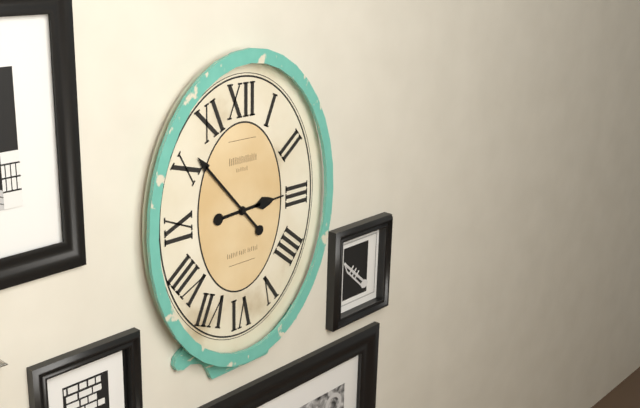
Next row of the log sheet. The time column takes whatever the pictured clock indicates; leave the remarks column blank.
2:53
